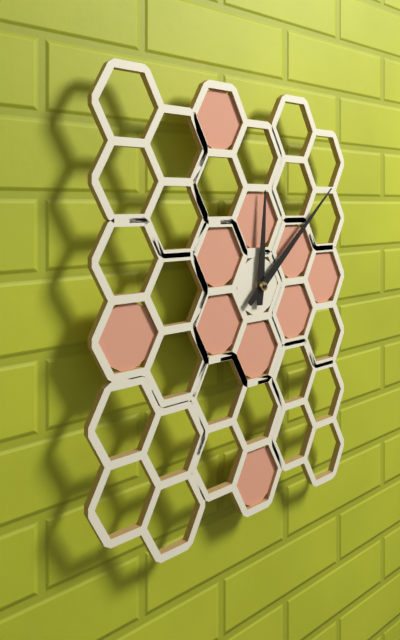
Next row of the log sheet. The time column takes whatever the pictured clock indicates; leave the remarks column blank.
12:08
